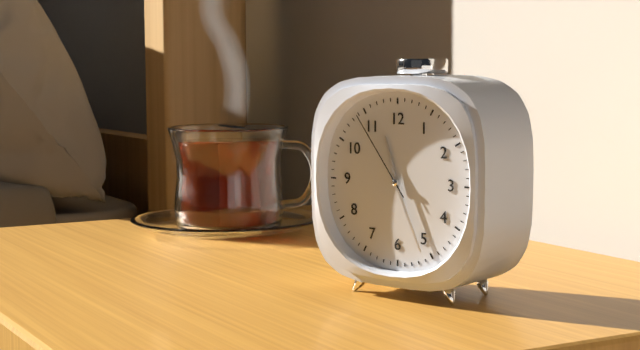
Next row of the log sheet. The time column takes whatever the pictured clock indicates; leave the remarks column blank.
11:26:54
